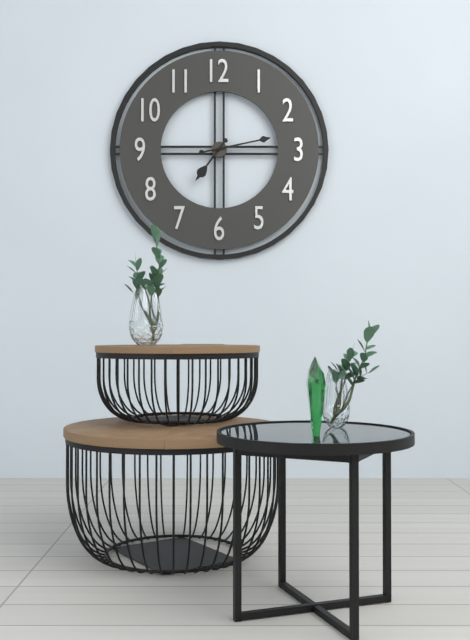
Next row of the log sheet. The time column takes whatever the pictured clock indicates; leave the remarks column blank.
7:13
